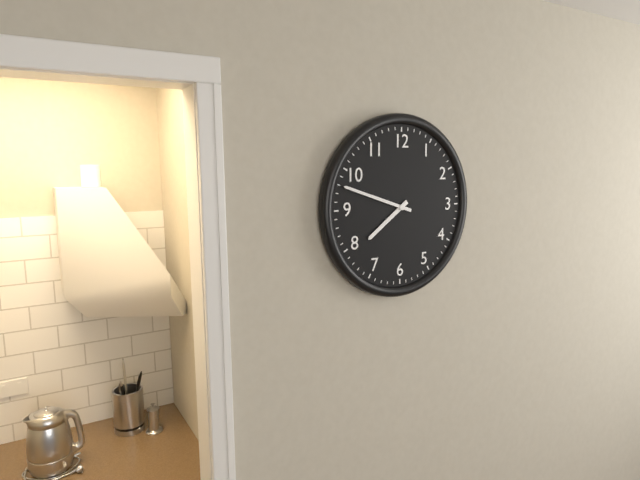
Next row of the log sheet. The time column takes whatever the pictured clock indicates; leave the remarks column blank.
7:48
